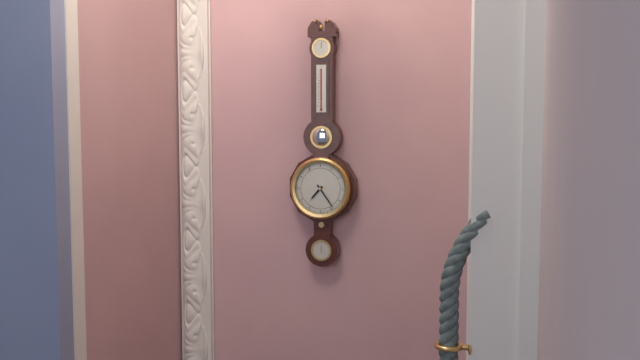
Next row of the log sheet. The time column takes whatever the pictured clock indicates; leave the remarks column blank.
7:24
